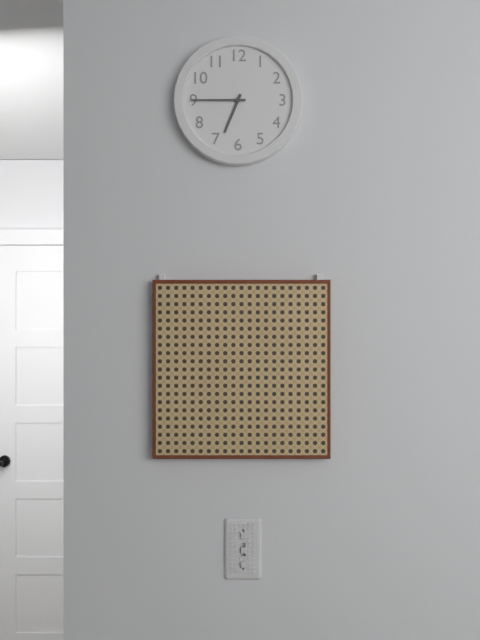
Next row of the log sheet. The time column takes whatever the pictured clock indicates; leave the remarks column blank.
6:45
